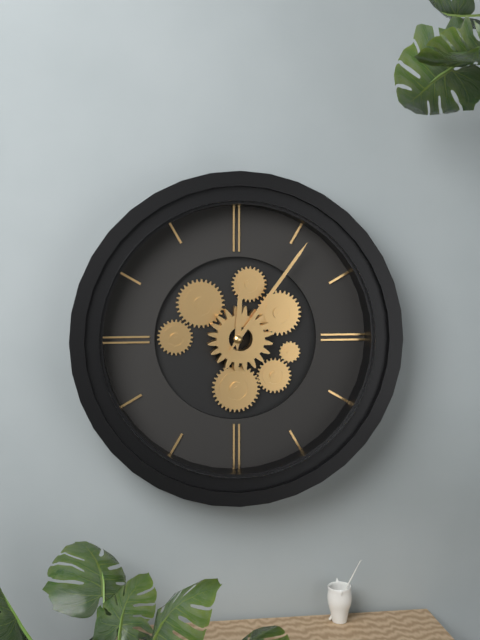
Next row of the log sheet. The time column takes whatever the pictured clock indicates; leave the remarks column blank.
12:06
